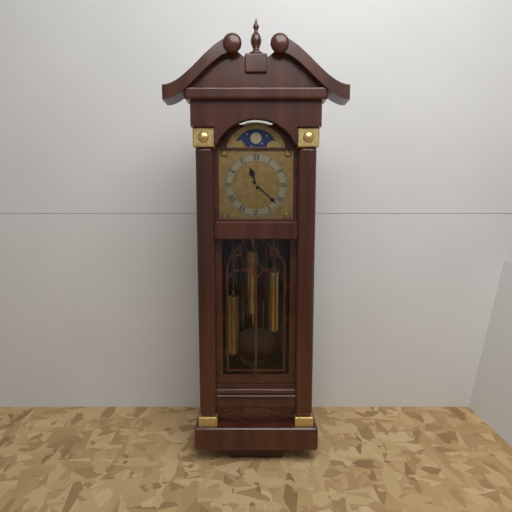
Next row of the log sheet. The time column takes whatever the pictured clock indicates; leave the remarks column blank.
11:22
